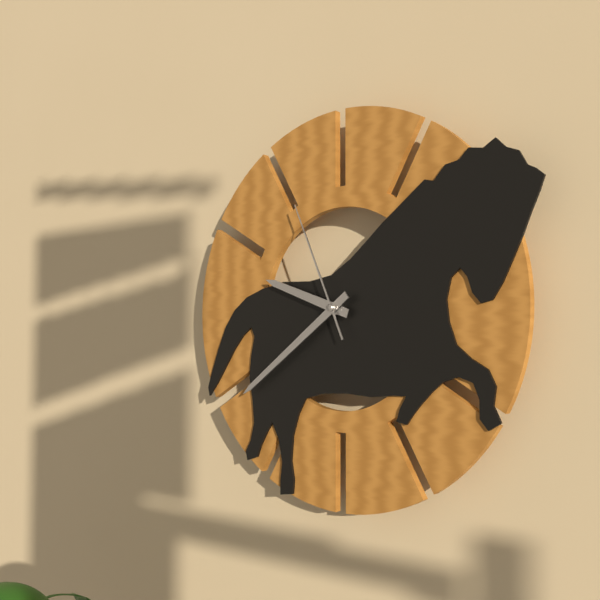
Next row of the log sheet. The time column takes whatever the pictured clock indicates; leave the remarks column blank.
9:39:56
